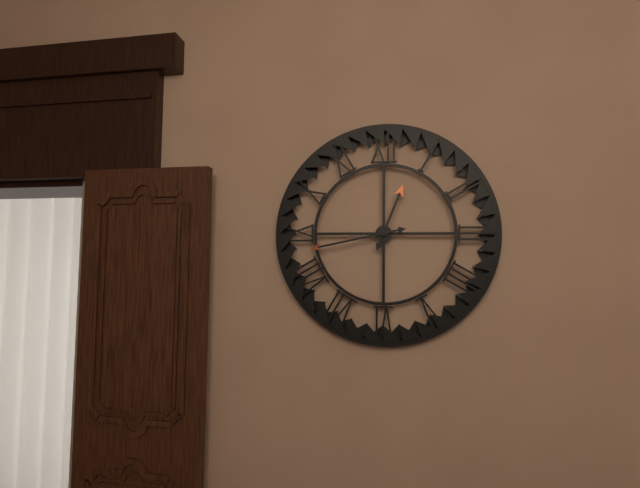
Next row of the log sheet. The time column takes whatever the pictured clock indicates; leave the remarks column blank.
12:43
